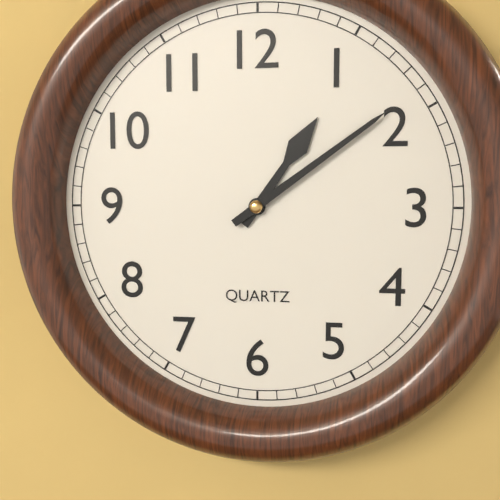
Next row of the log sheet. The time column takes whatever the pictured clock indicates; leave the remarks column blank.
1:09
